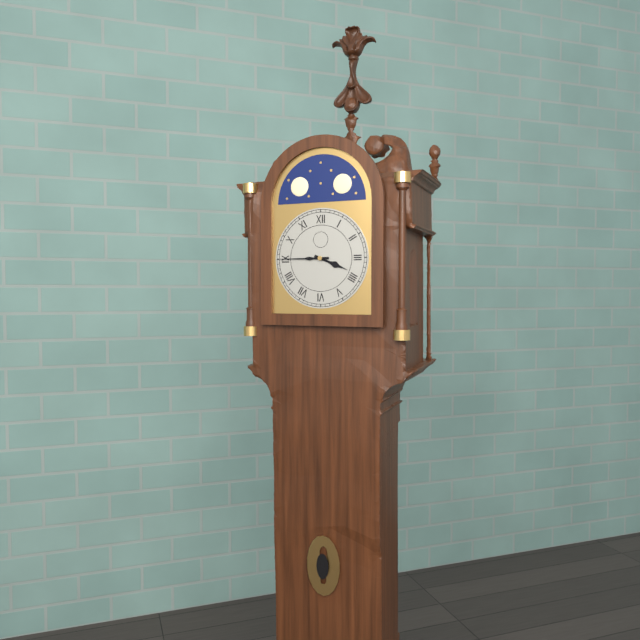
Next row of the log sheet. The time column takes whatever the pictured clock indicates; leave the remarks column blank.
3:45
